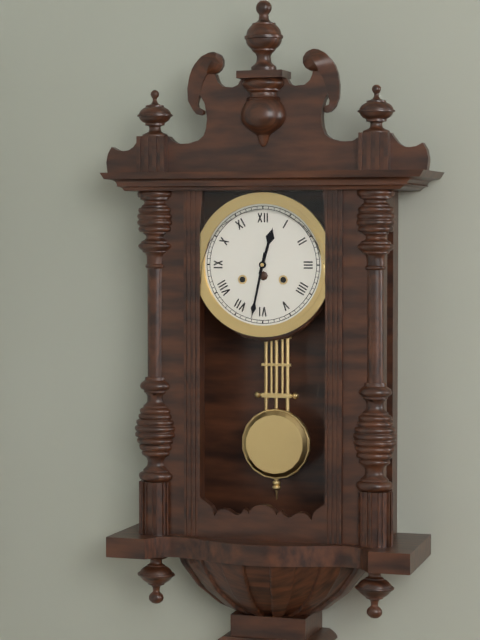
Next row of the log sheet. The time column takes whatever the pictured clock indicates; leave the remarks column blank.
12:32
